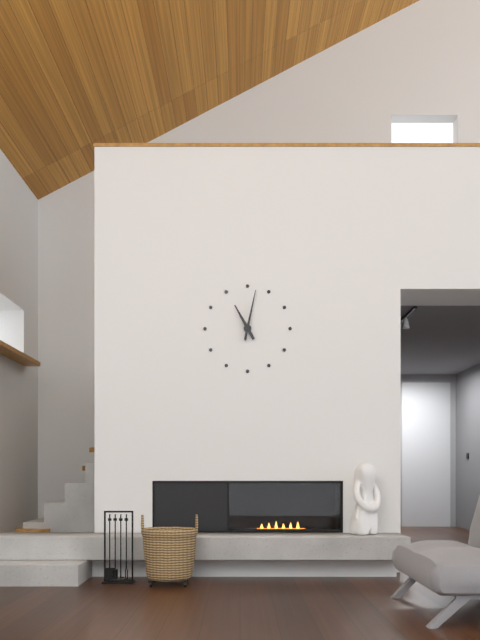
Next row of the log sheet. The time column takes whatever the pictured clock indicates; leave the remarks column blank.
11:02
